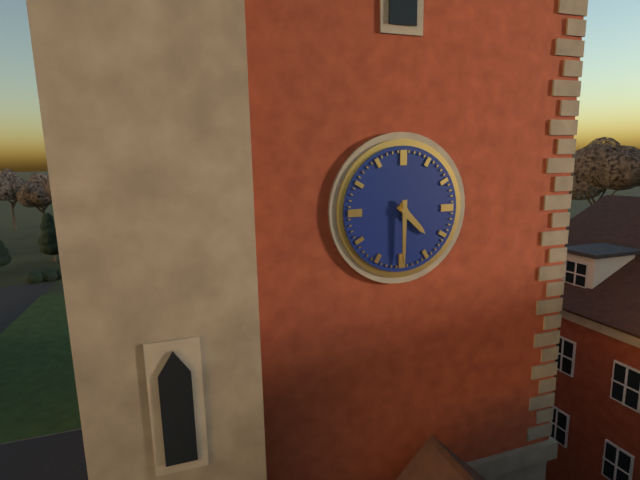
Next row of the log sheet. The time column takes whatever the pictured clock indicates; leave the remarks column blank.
4:30
